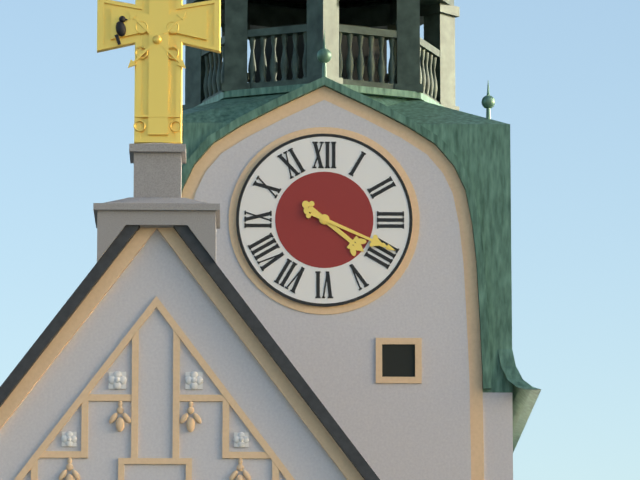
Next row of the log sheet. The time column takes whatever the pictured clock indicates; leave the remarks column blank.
4:19
